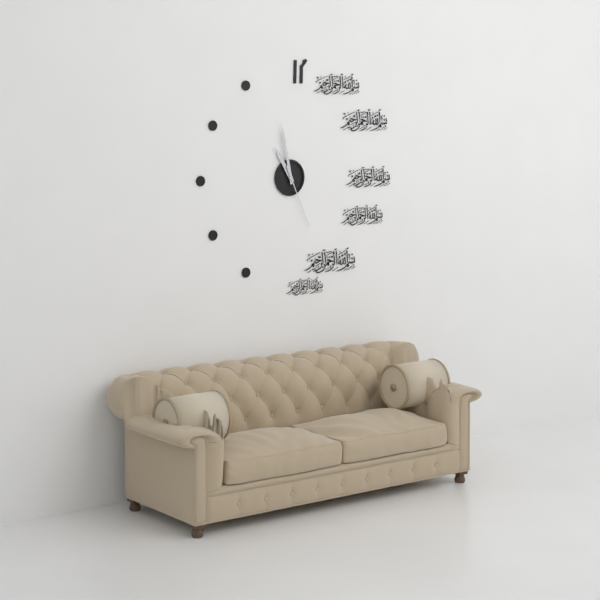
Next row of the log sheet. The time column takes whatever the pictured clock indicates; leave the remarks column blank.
10:58:26
